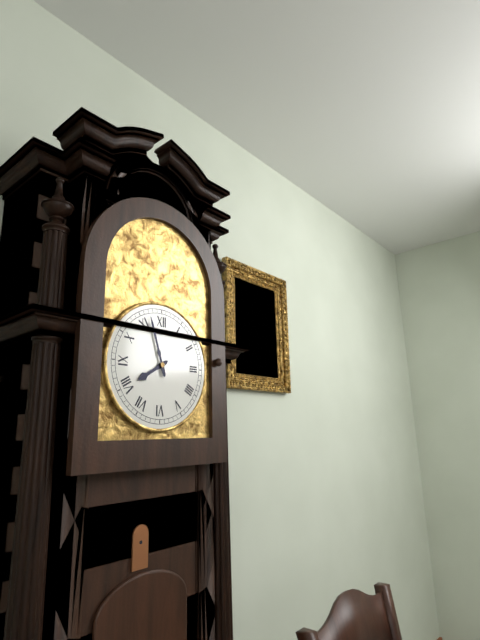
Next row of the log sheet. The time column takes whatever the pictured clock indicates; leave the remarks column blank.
7:57
